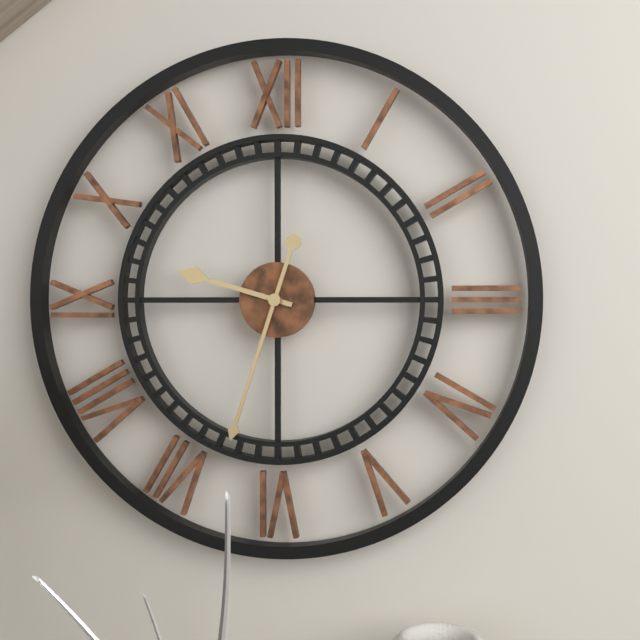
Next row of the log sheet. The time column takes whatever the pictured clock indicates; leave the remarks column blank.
9:33
